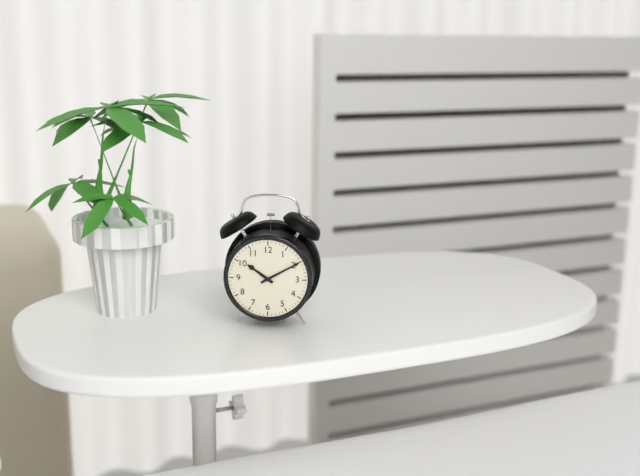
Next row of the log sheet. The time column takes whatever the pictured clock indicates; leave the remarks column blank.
10:10
